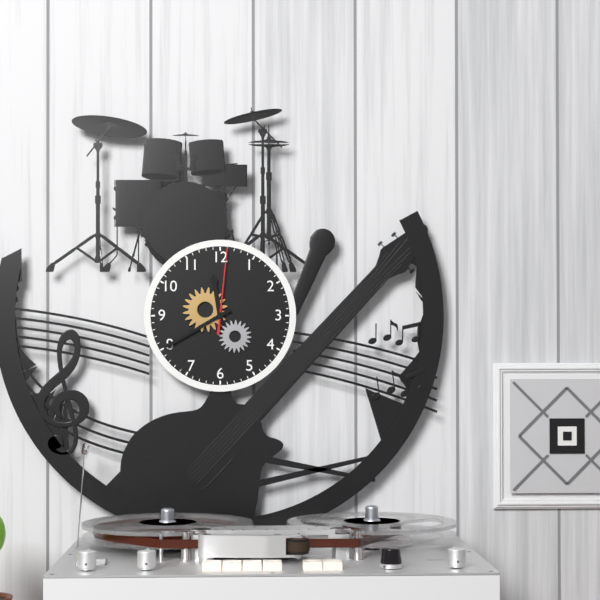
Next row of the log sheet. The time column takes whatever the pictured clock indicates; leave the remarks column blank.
11:40:01
